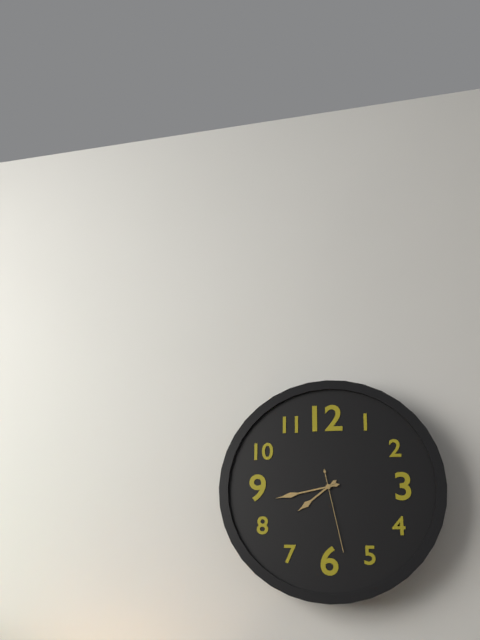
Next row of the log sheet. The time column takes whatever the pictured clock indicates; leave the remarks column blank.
7:43:28
